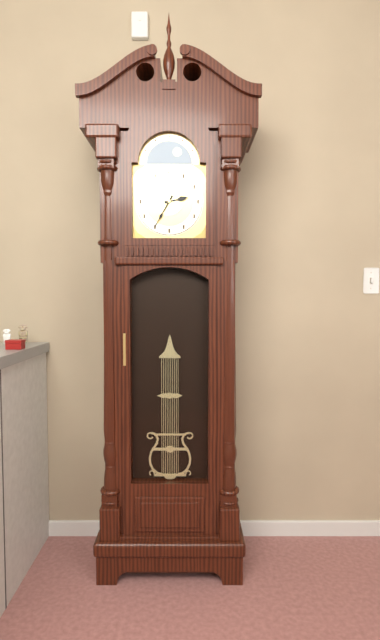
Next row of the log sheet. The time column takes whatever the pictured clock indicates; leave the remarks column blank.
2:35
